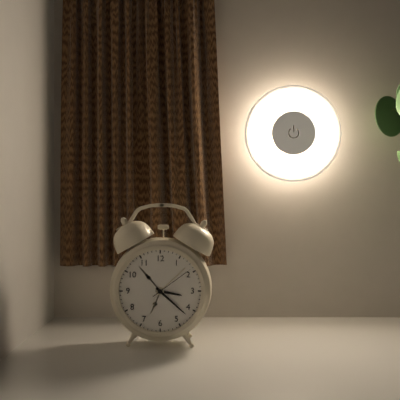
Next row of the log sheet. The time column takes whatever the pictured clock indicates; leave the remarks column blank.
3:22
